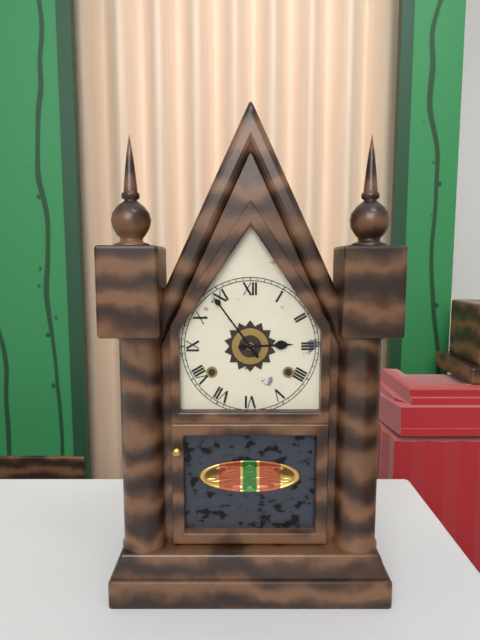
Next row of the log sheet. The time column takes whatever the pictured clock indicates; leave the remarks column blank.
2:54
